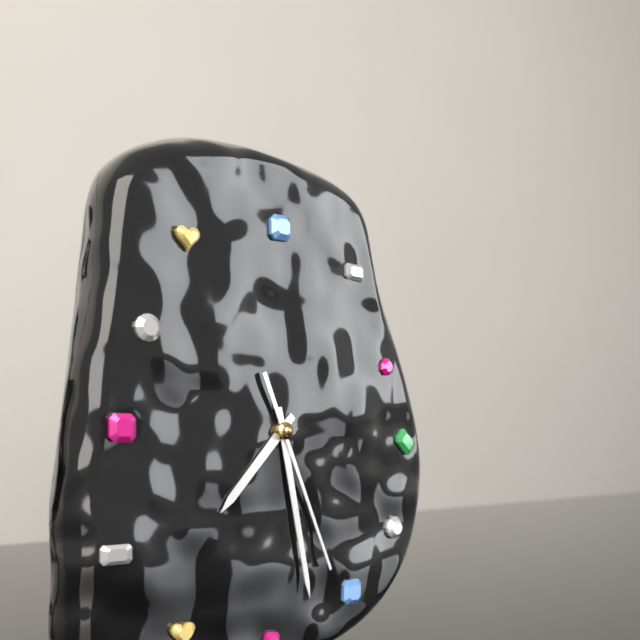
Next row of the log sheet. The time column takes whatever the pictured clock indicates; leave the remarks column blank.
7:28:26
